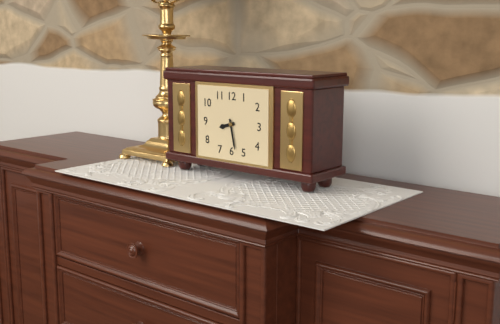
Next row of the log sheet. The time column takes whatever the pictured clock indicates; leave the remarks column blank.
8:28
